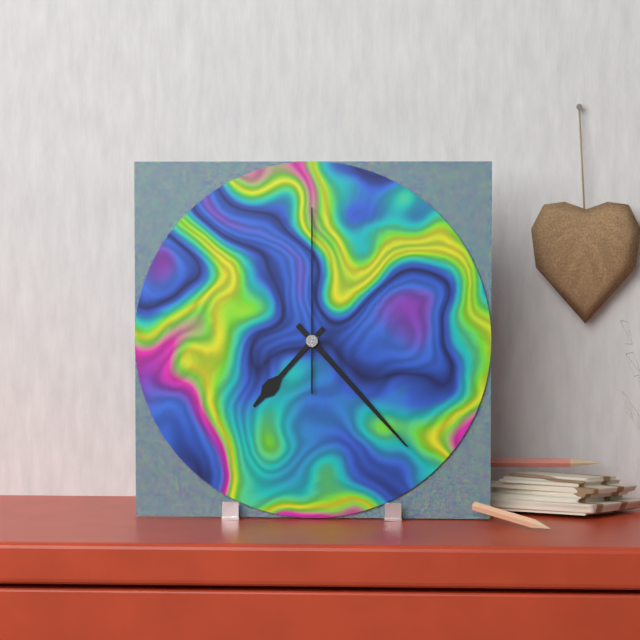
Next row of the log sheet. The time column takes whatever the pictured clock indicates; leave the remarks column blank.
7:23:00
